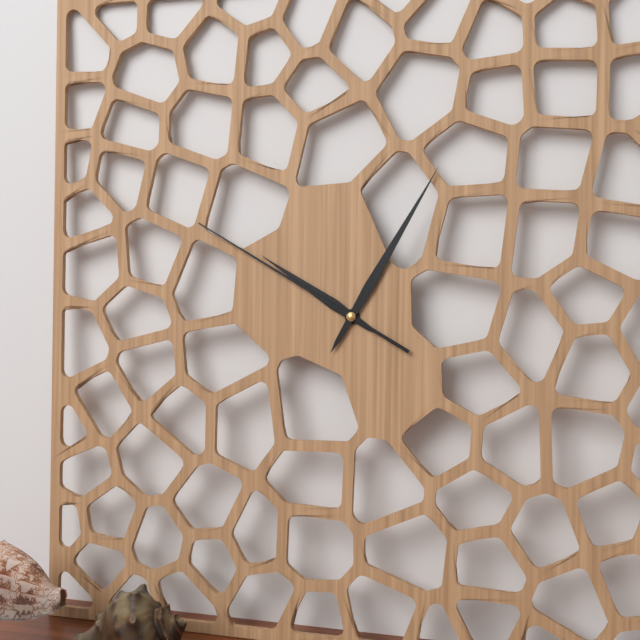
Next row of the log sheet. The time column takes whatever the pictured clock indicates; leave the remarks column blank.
10:05:50
